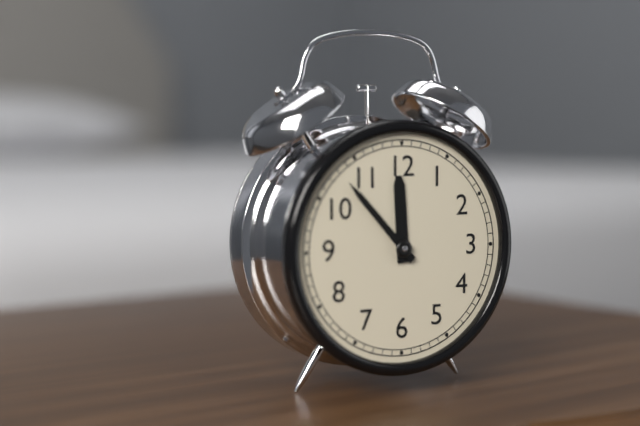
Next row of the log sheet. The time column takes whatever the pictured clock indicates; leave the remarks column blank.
11:53
